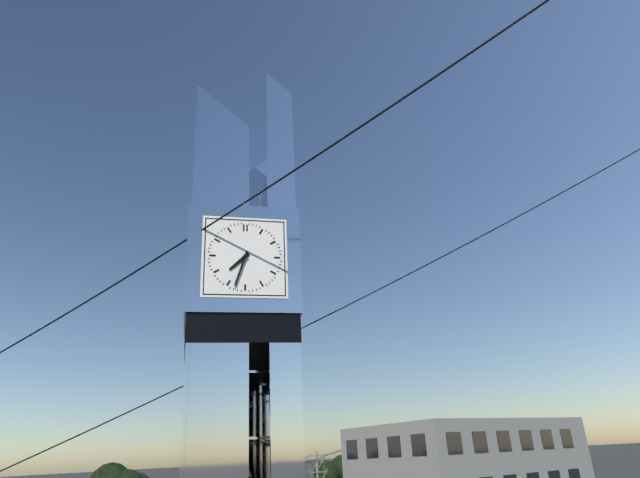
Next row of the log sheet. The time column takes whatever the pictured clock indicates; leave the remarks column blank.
7:33
